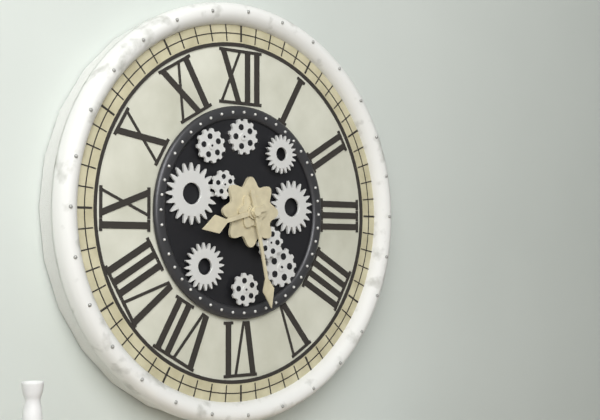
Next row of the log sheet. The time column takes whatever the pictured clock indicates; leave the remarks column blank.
8:28
